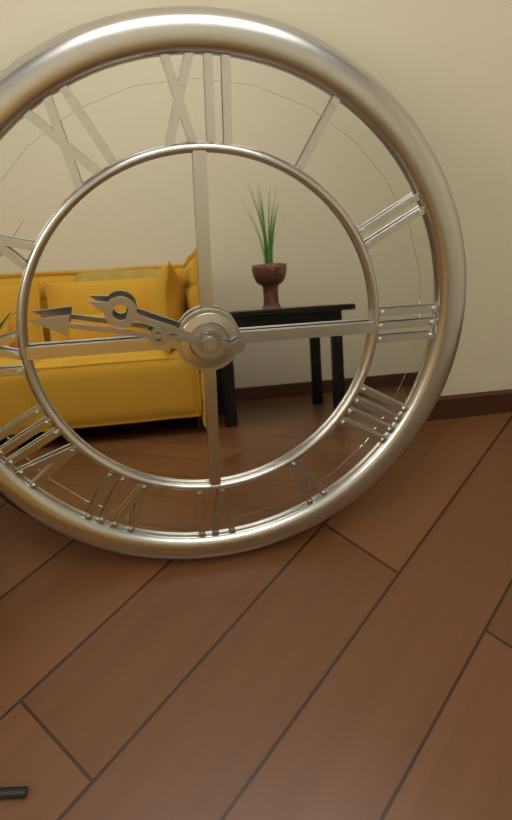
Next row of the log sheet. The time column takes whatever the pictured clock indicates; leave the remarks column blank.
9:47
